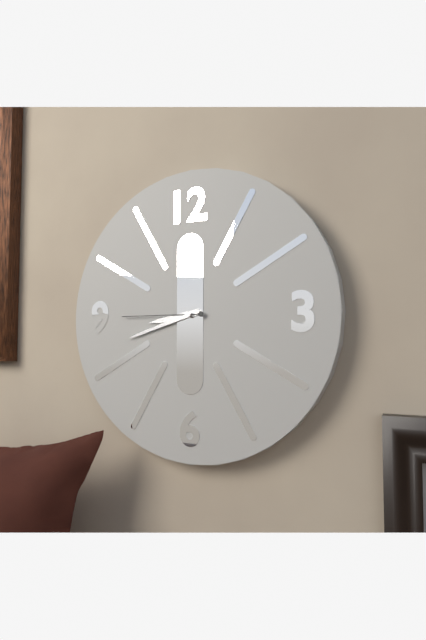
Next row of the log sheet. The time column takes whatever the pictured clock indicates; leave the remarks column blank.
8:42:45
